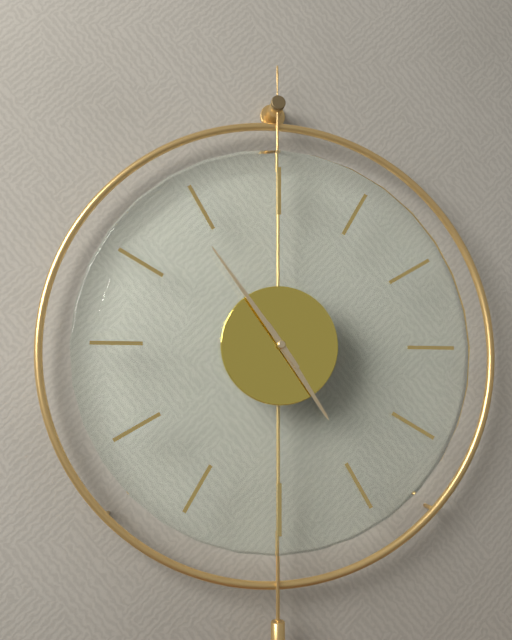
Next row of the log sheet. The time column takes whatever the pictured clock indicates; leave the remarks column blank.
4:54
